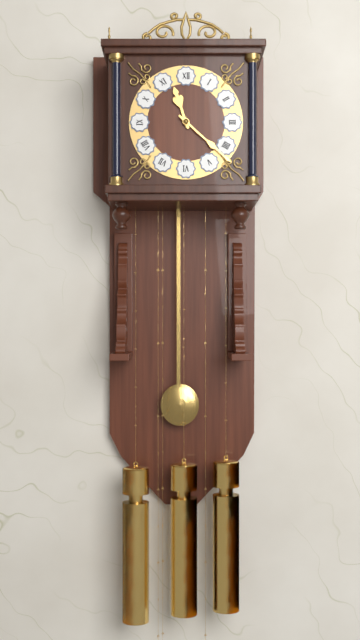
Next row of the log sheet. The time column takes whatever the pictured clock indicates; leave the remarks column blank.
11:22
